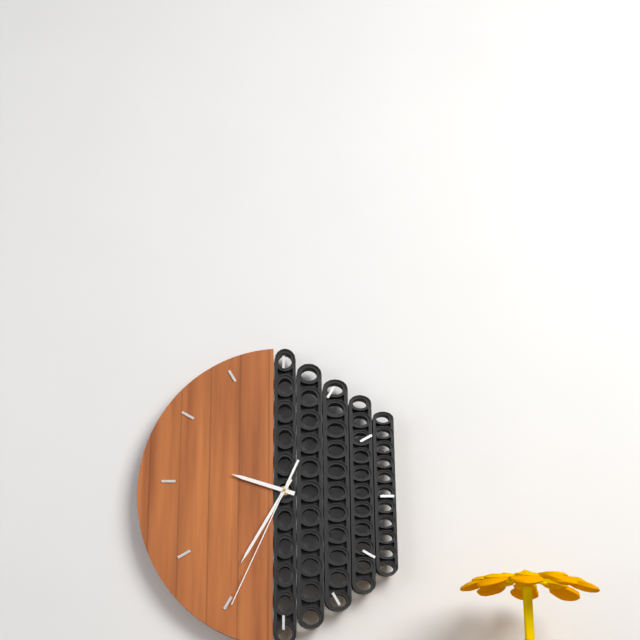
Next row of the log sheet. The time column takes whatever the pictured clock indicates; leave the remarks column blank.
9:35:34
